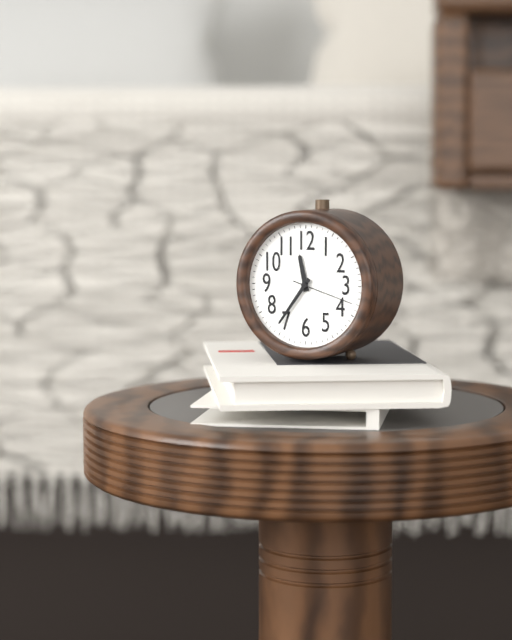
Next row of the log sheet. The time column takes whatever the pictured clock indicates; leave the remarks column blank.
11:36:18
